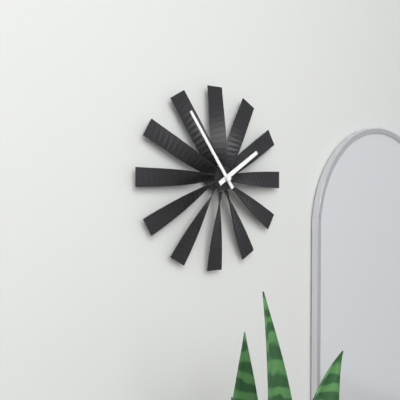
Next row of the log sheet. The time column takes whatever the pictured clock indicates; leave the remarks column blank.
1:54
